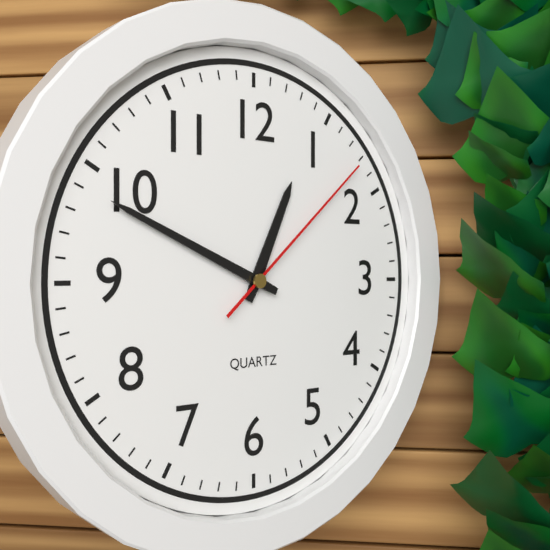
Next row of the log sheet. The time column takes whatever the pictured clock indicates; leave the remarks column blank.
12:49:08
